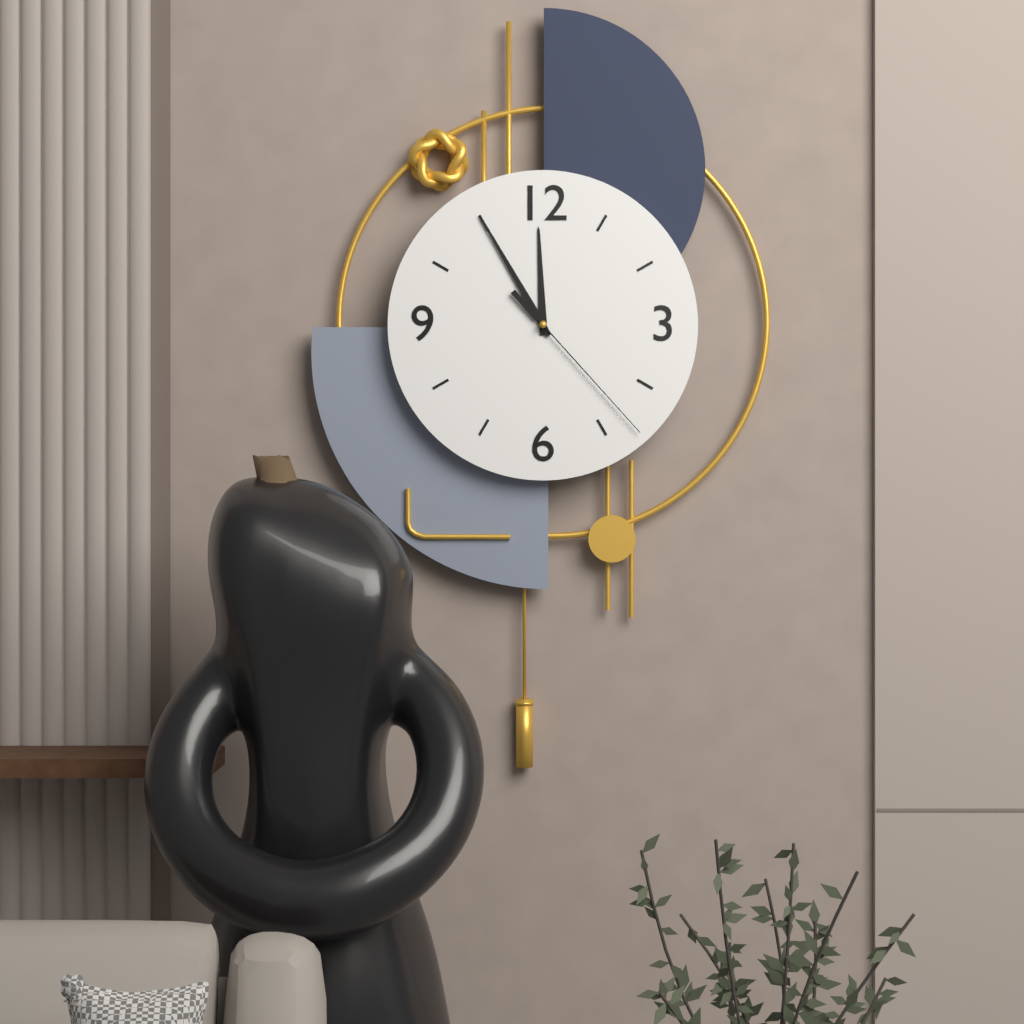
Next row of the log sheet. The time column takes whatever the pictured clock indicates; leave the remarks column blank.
11:55:23
